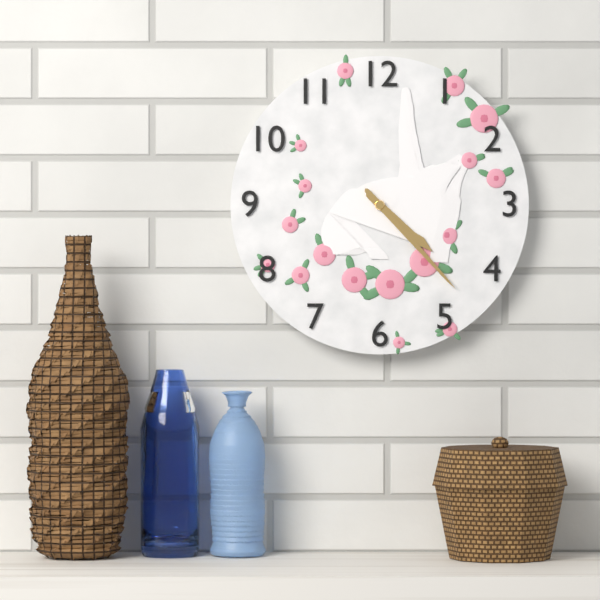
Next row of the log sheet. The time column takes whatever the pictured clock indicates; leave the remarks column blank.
4:23
